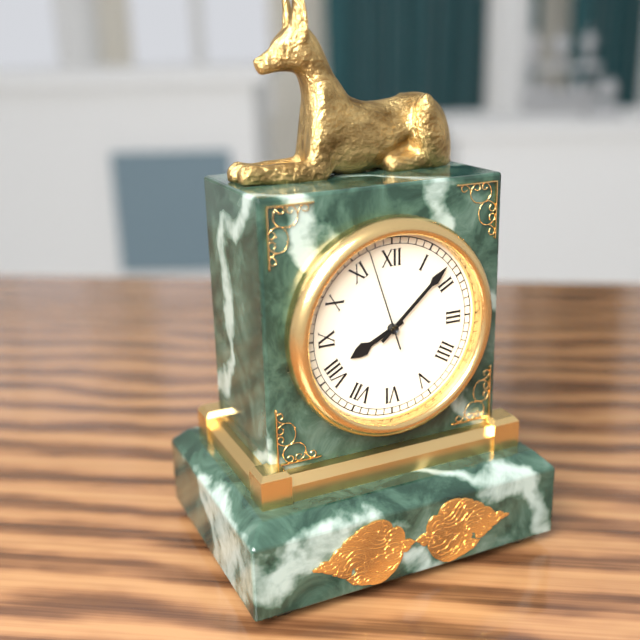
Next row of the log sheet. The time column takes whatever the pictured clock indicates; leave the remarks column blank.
8:08:57
